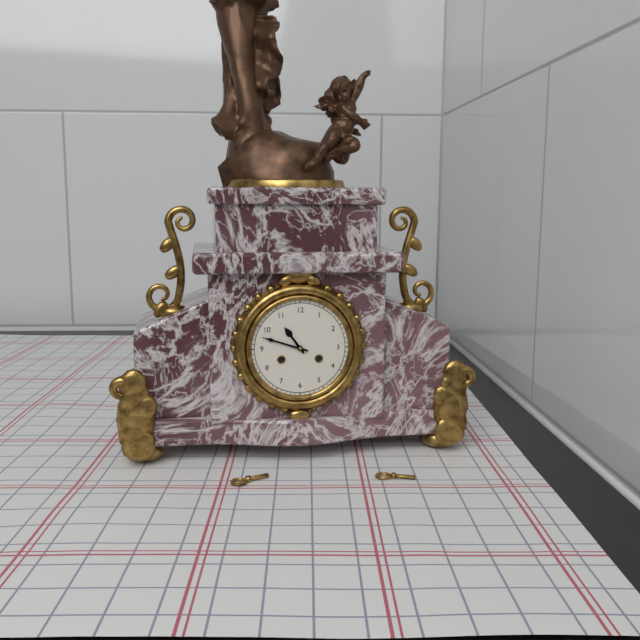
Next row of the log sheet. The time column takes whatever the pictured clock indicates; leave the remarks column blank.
10:48
